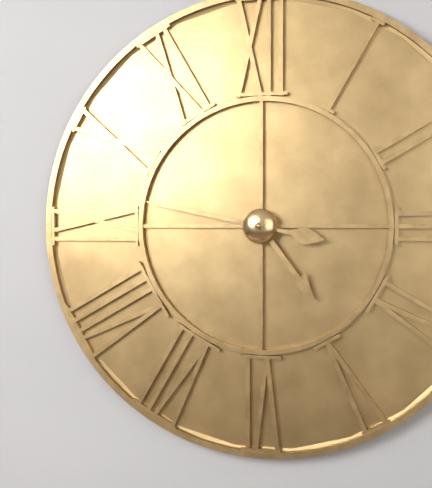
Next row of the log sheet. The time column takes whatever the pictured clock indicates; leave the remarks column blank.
4:47
